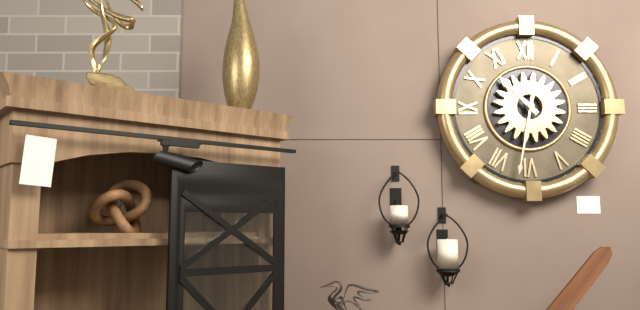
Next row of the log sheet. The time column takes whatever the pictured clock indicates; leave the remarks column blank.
10:32
